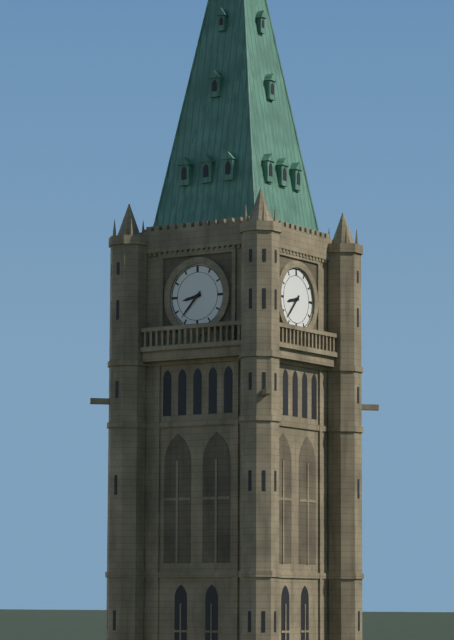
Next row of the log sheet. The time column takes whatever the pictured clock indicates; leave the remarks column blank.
8:37
